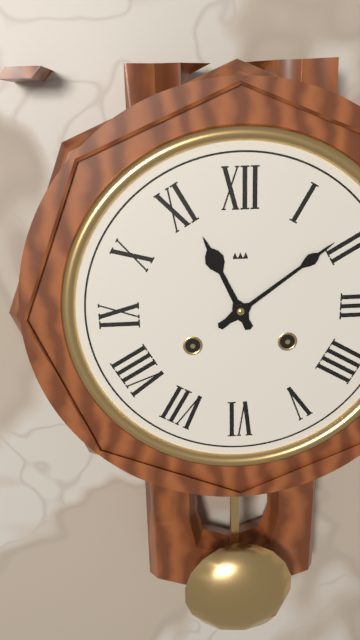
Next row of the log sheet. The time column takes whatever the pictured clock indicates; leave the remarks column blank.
11:09
